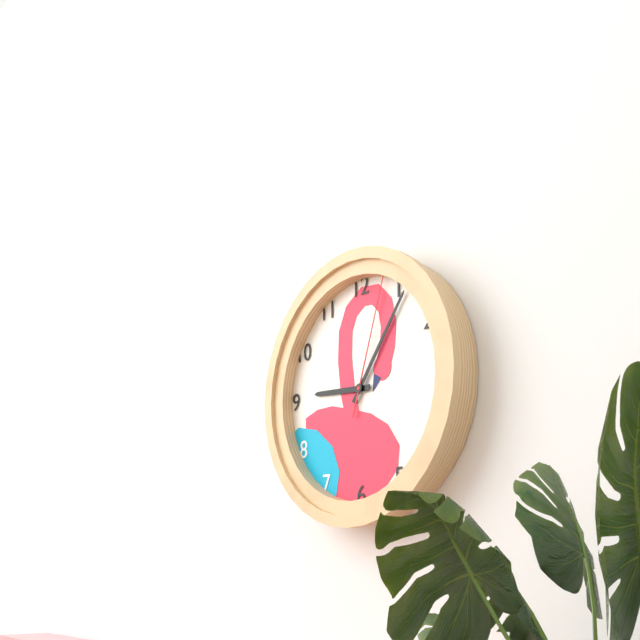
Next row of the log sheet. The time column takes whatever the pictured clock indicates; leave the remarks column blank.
9:06:03
